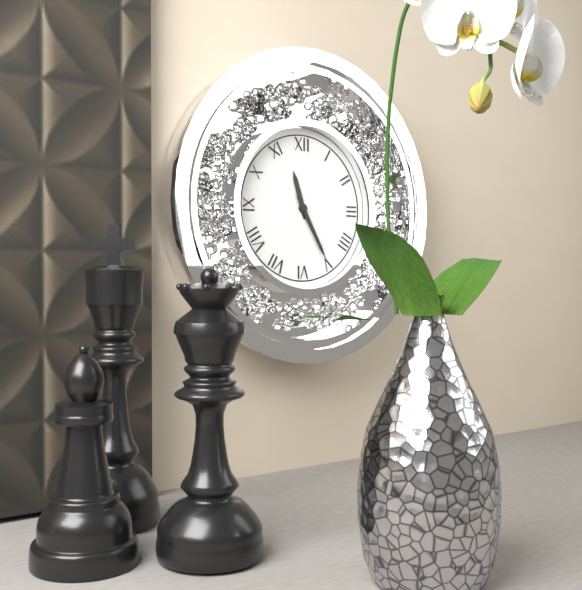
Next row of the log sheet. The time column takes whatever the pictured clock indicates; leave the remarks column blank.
11:25
